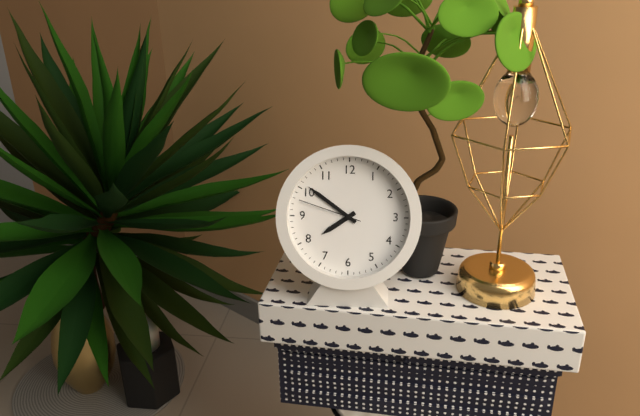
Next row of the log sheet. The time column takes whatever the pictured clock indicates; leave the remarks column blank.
7:51:48
